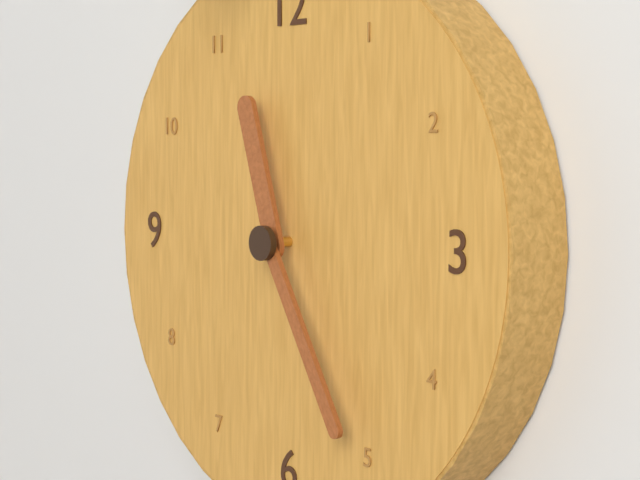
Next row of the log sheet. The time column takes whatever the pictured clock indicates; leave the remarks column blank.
11:25
